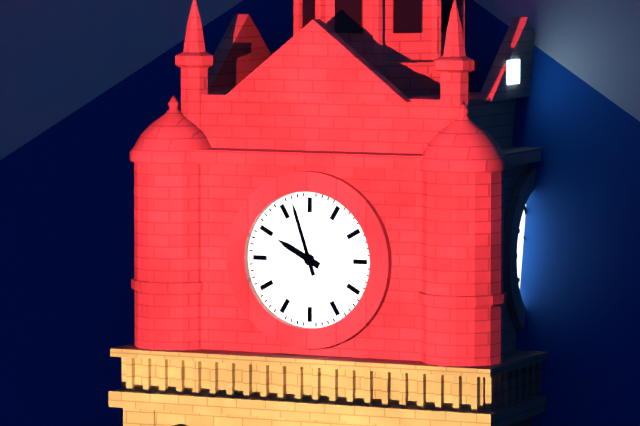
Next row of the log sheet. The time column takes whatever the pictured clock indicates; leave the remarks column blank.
9:57
